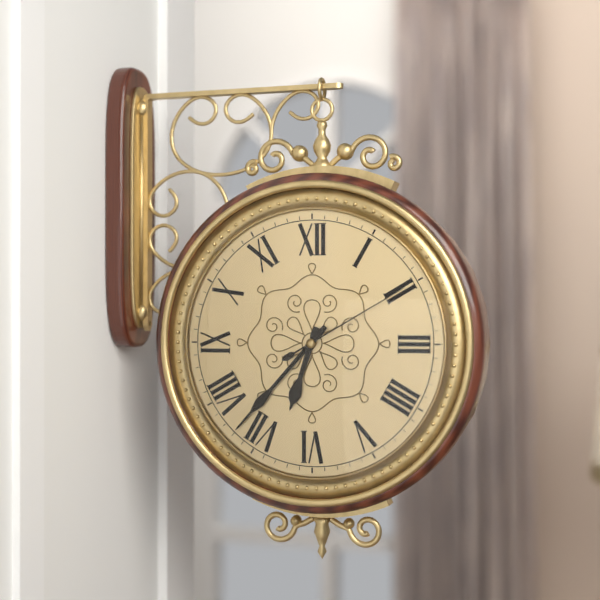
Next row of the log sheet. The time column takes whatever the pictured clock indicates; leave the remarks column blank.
6:37:10
